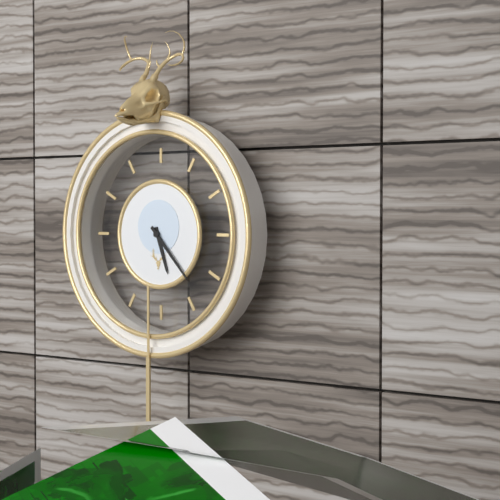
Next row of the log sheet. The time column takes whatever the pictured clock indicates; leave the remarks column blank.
5:23
